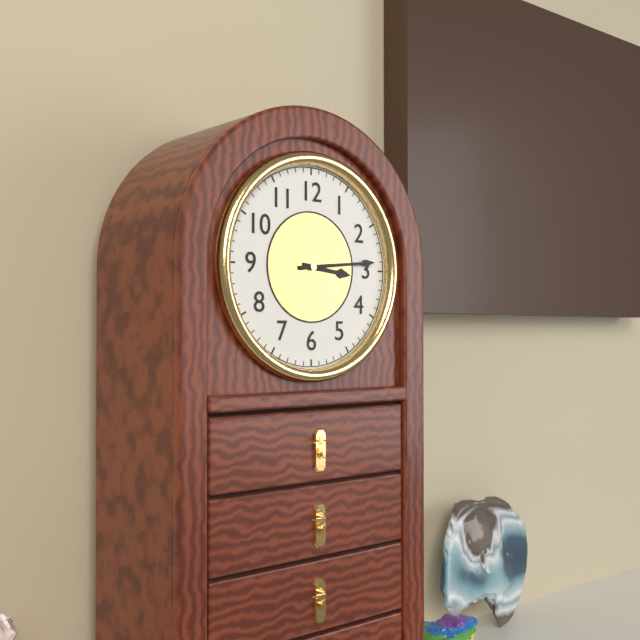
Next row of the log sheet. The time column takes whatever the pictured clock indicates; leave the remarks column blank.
3:14
